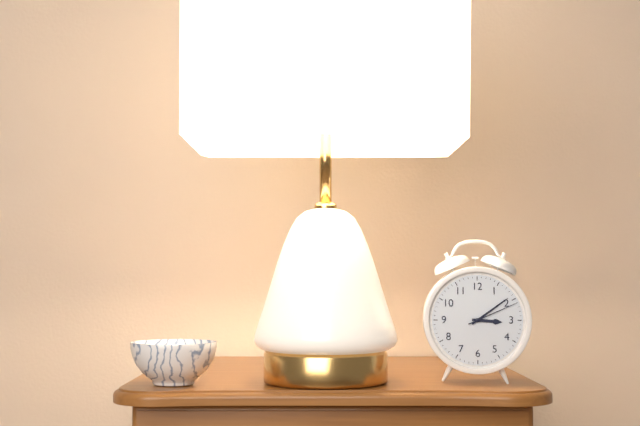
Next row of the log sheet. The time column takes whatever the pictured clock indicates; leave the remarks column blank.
3:09:11
